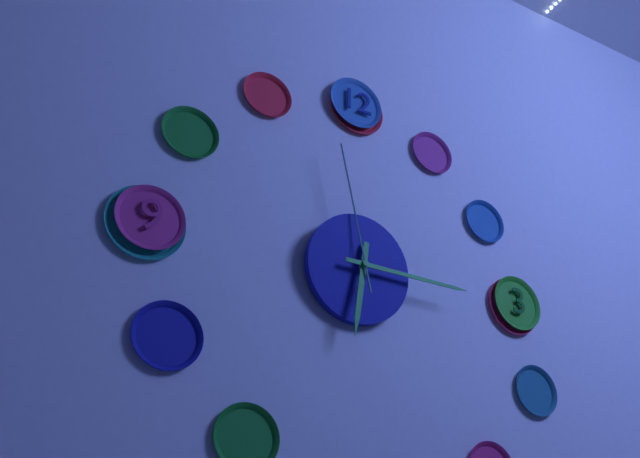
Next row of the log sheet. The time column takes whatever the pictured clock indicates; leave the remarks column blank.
6:15:58
